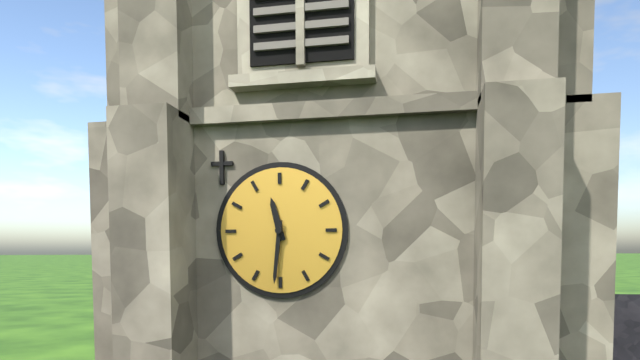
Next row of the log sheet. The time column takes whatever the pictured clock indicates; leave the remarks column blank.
11:31
